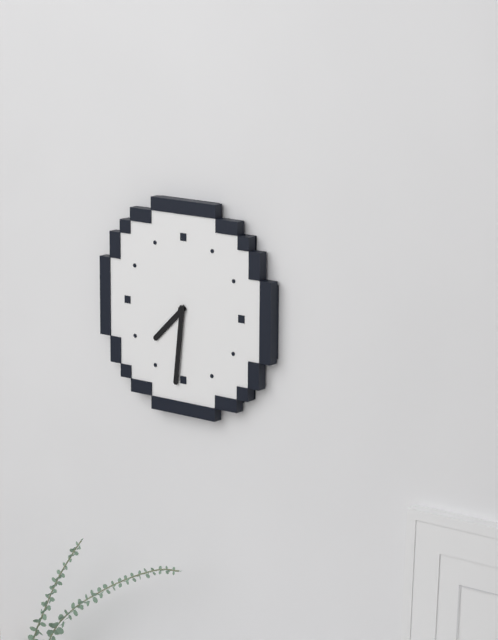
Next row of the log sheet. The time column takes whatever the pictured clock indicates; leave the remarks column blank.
7:31
